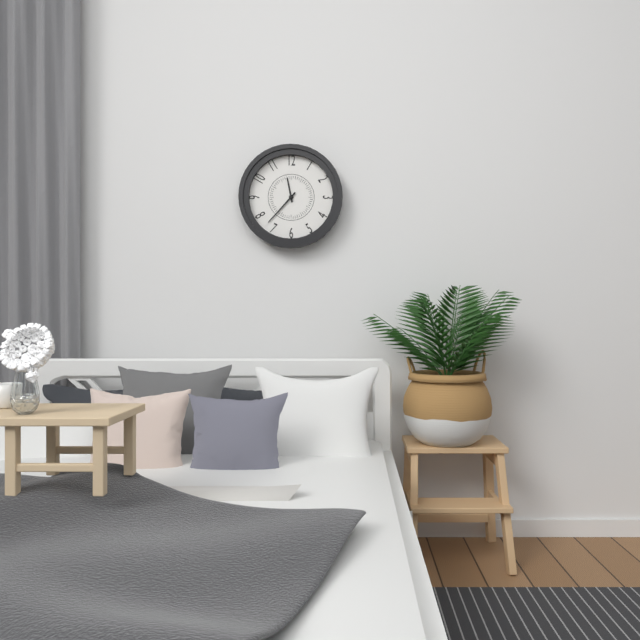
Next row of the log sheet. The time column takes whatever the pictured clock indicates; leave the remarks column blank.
11:37
